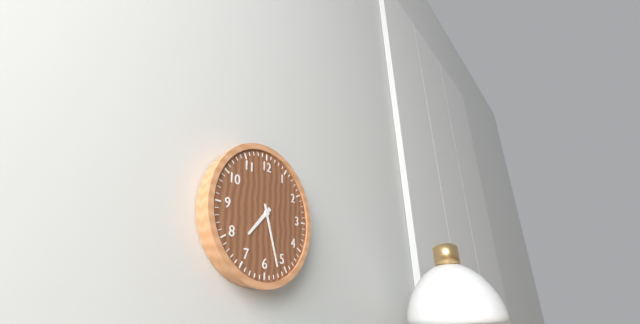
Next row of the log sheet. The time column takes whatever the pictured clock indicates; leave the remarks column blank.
7:27
